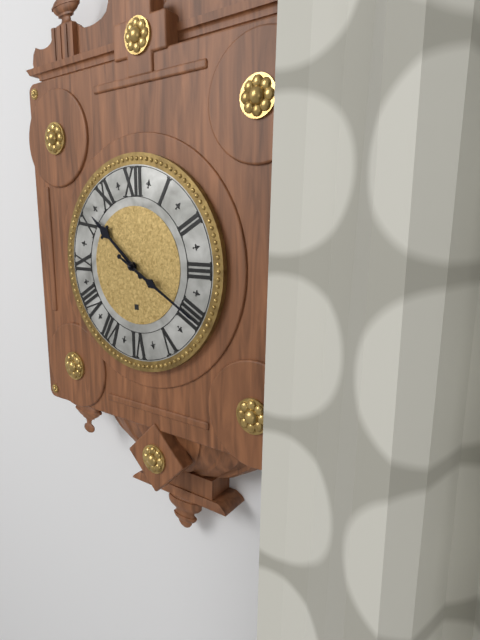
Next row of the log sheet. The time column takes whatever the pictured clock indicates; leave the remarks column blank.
10:20
